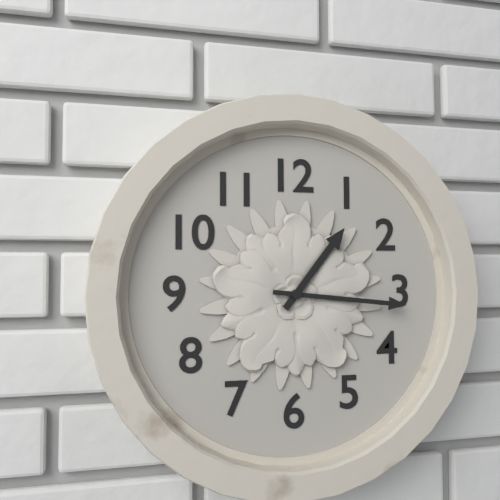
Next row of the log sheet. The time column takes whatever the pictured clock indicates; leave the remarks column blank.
1:16
